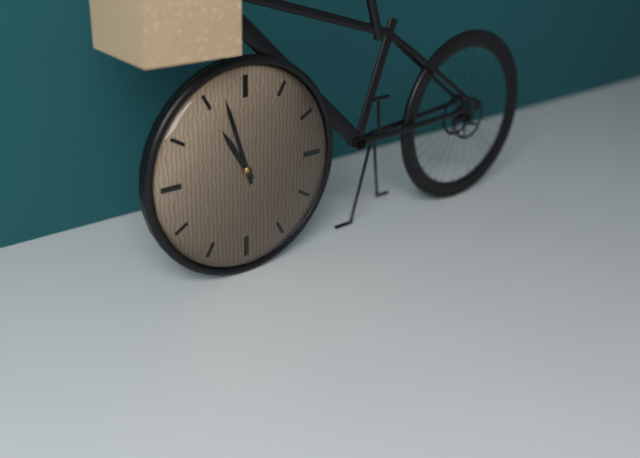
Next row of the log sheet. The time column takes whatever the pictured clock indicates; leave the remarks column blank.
10:57
